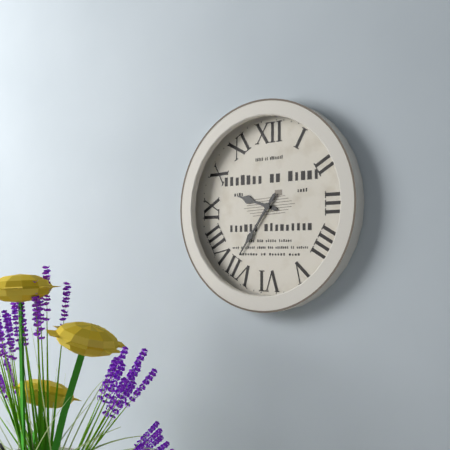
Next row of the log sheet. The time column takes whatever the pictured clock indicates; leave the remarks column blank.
9:36
